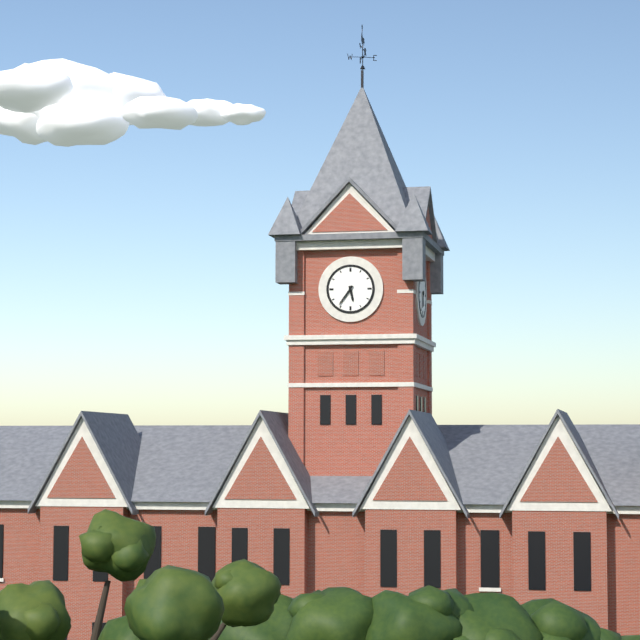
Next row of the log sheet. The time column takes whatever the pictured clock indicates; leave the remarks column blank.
5:36
